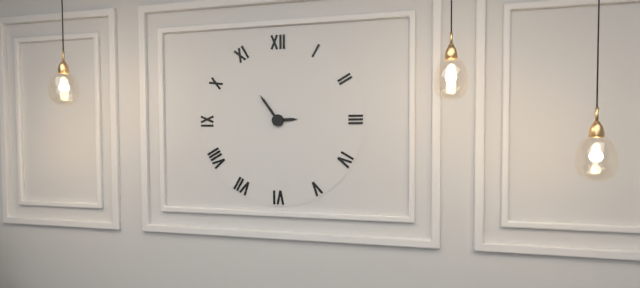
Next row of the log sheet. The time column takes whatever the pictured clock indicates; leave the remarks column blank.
2:54
